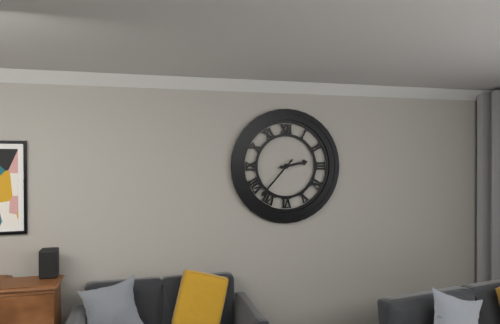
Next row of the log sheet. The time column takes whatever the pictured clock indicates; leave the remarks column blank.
2:37
